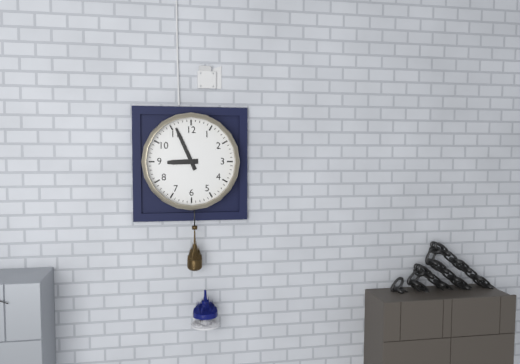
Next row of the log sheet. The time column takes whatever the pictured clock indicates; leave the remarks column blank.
8:56
